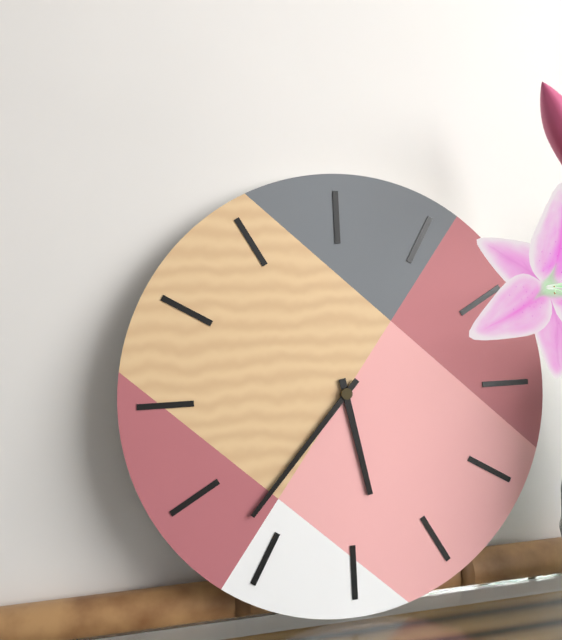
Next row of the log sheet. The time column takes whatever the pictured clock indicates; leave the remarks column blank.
5:37
